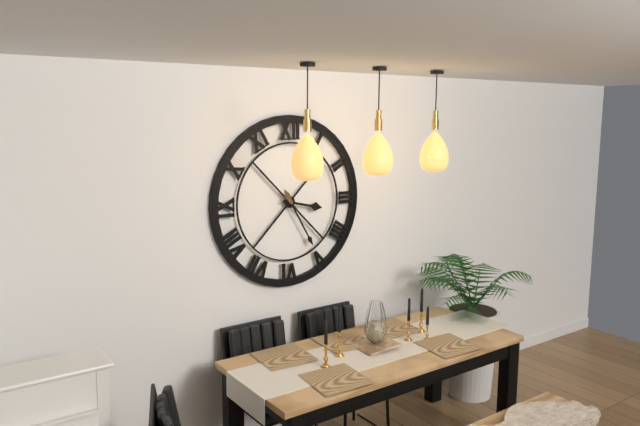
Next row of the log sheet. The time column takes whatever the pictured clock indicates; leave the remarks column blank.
3:25
